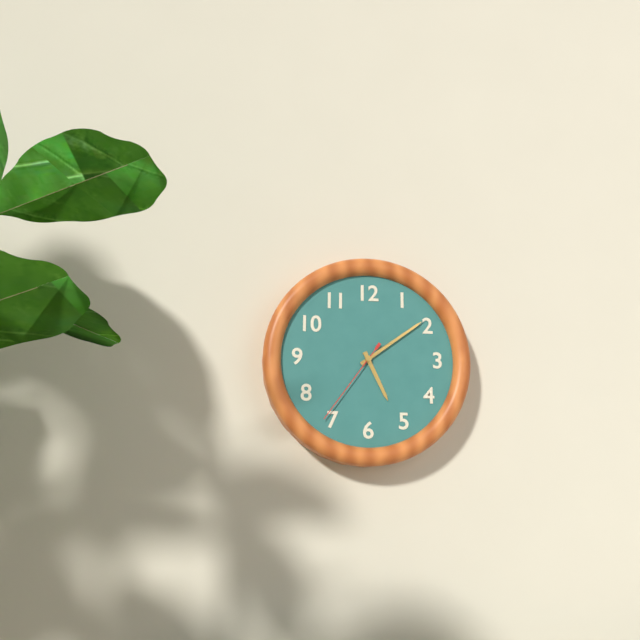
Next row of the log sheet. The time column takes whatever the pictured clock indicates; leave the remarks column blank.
5:09:36
